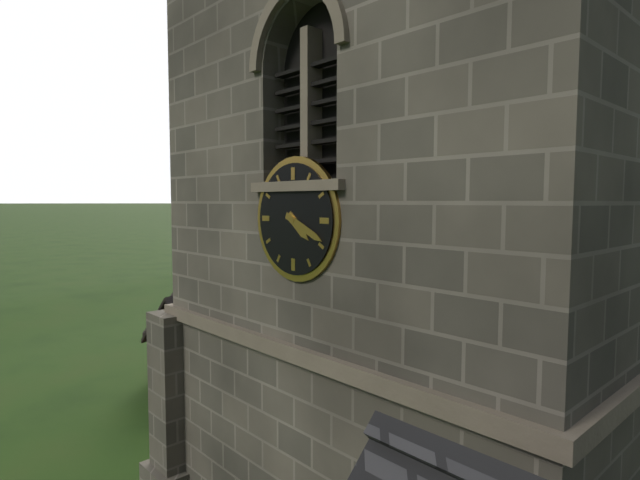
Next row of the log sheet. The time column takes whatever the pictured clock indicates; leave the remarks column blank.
4:19
